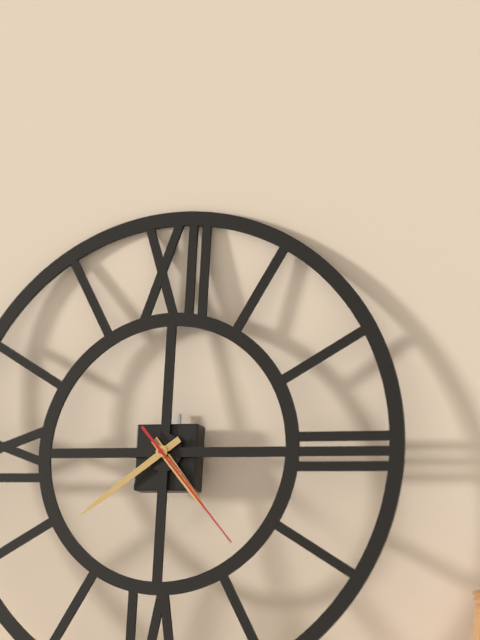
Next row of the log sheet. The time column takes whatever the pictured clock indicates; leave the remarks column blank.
4:39:23
